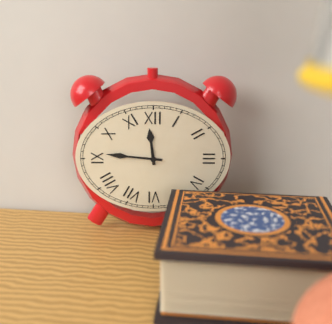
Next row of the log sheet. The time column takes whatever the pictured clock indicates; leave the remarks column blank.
11:46
